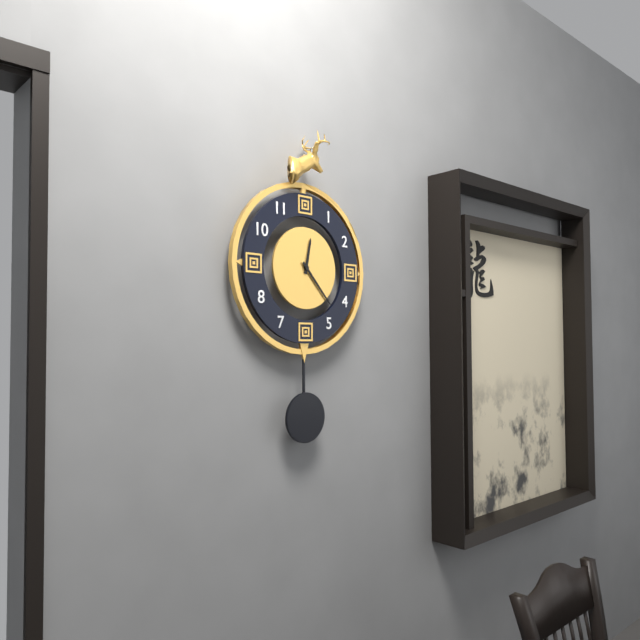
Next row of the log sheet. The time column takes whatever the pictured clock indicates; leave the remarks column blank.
12:23
